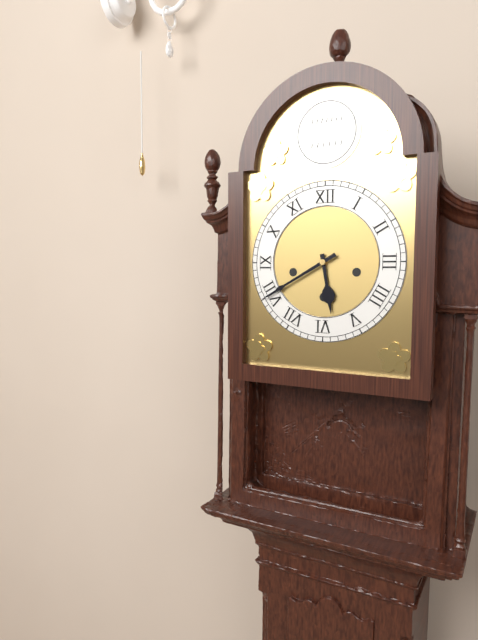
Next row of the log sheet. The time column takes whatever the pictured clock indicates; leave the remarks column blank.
5:40
